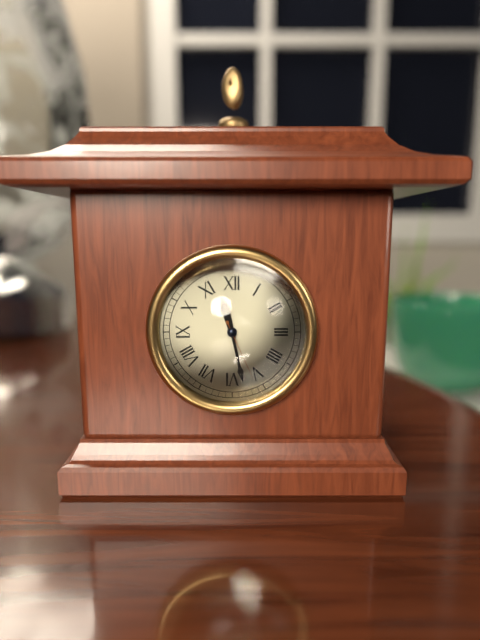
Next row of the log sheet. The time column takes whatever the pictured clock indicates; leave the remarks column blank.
11:28:26
